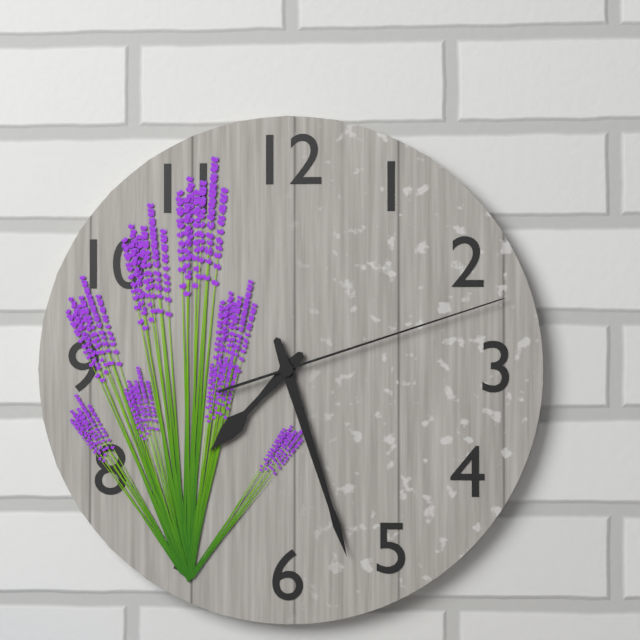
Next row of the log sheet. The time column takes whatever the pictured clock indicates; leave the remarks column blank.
7:27:12
